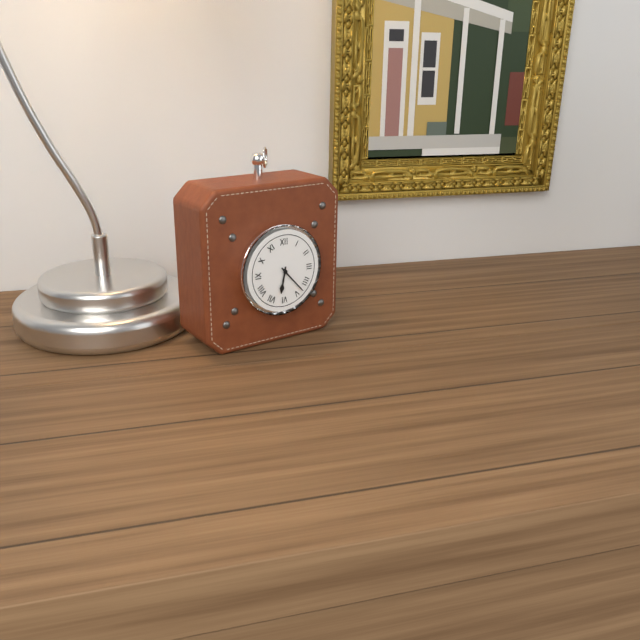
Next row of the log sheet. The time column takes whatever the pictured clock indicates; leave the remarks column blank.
6:23
